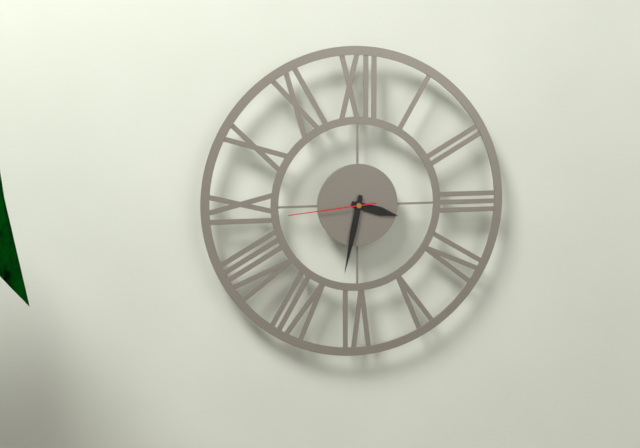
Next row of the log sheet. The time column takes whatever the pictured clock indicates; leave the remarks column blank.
3:32:44
